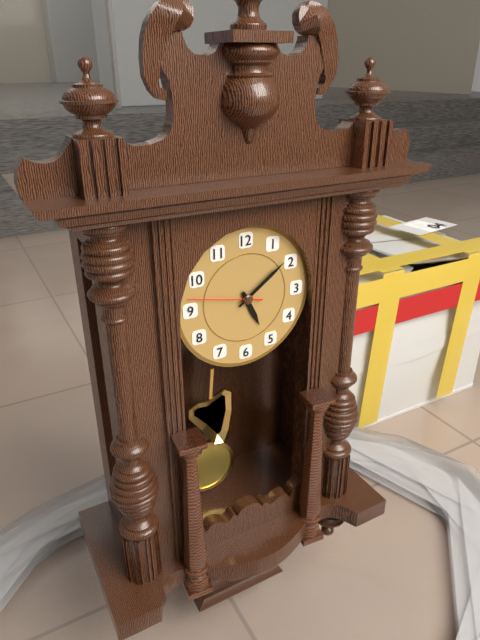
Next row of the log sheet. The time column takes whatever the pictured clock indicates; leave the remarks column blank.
5:09:47
